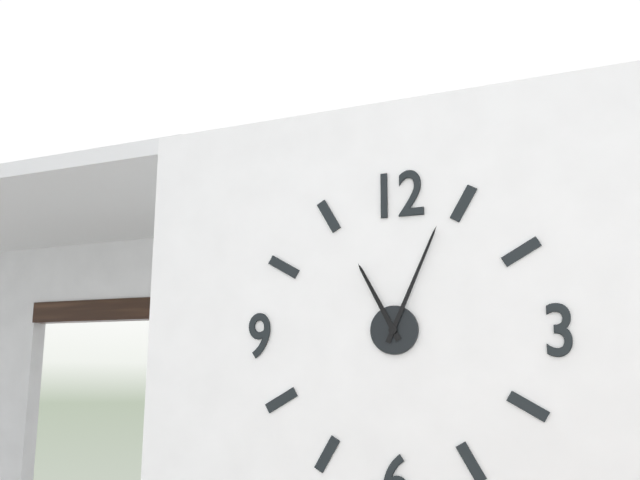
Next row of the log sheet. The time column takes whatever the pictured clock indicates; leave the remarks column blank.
11:04
